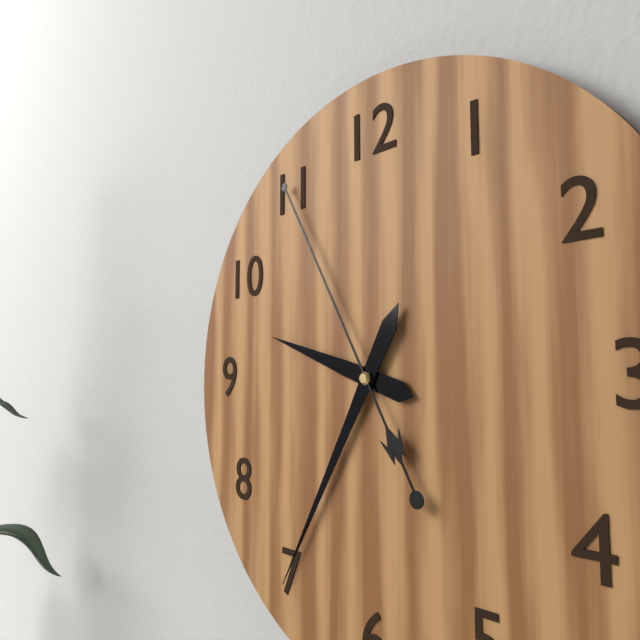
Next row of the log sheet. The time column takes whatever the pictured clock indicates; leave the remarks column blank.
9:35:55
